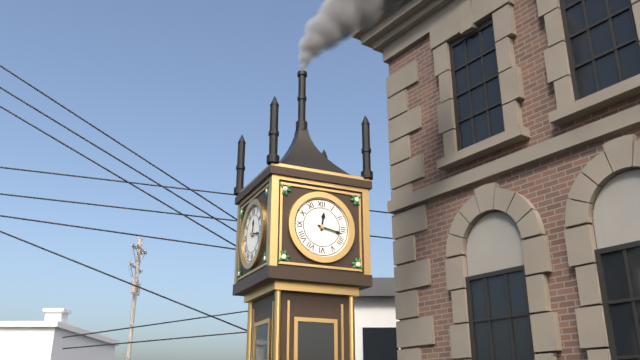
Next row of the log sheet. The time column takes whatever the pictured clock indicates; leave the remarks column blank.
12:17
